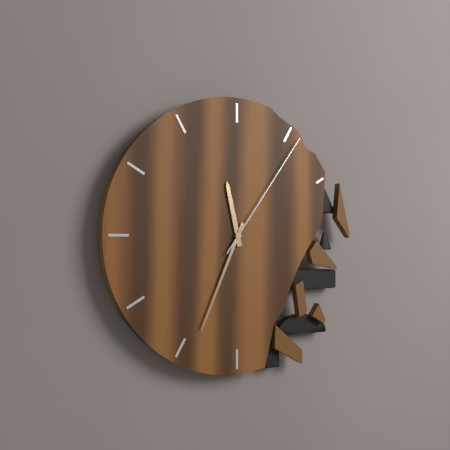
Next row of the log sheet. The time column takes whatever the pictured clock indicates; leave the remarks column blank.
11:34:06
